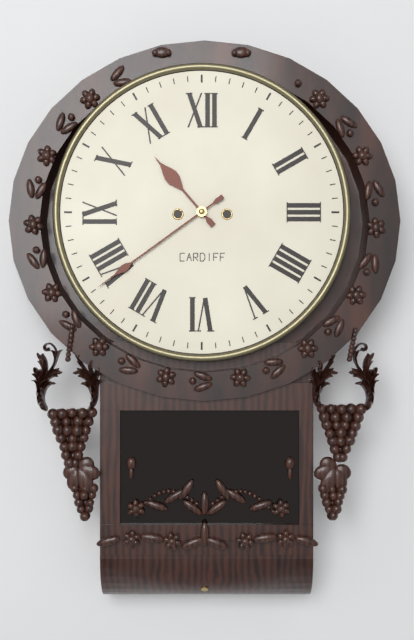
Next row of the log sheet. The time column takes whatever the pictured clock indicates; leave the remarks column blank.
10:39
